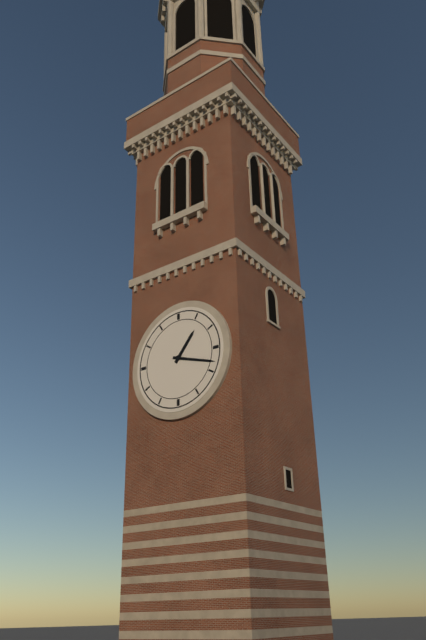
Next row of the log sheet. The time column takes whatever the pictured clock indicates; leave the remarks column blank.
1:18
